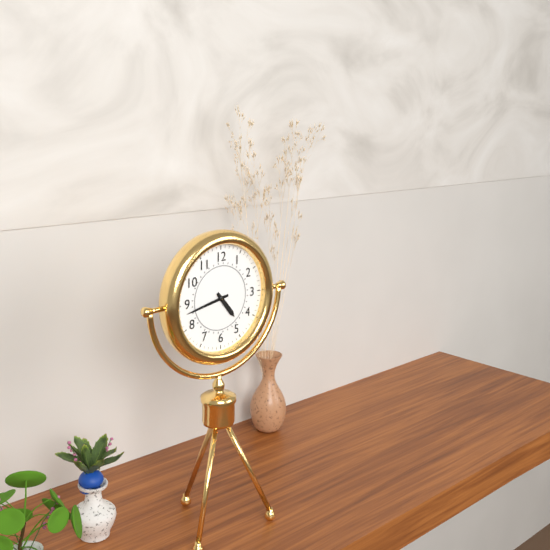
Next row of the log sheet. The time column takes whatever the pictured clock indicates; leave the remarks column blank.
4:43
